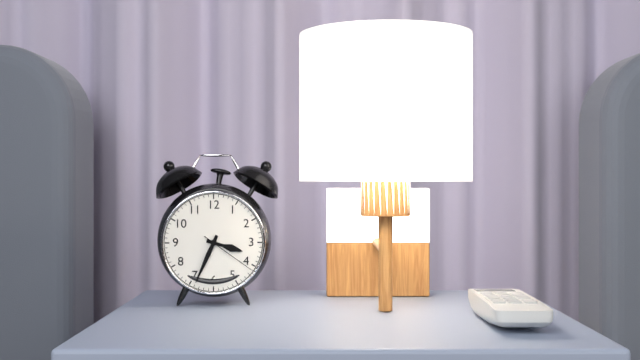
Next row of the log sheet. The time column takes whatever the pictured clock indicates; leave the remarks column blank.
3:34:21
